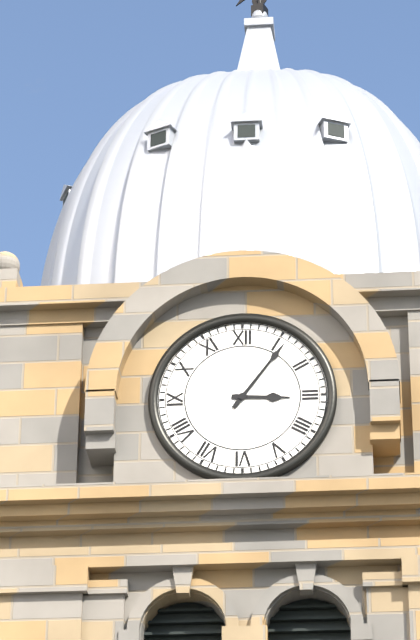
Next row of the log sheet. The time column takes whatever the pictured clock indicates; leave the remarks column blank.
3:06
